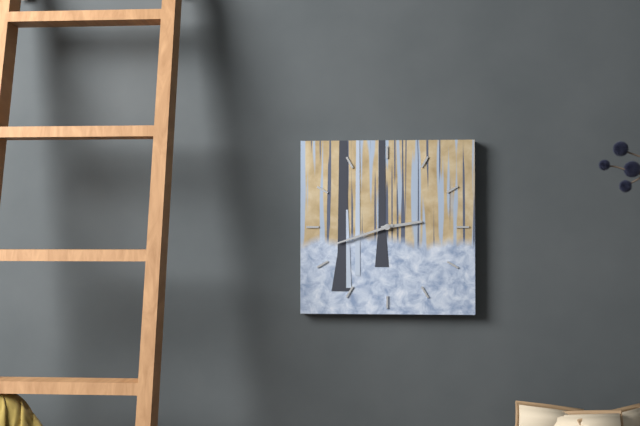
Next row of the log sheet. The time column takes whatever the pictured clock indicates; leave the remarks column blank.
2:42
